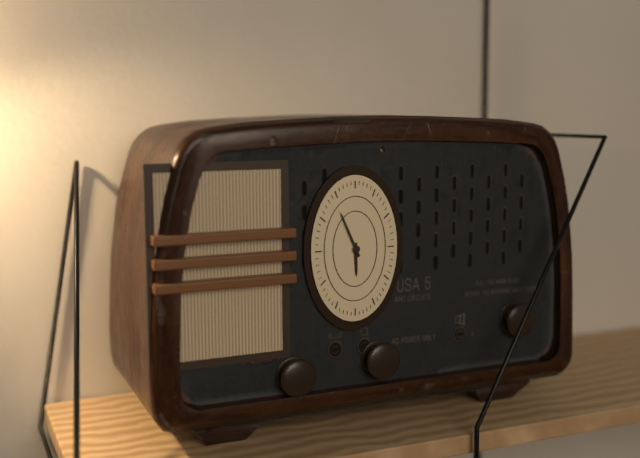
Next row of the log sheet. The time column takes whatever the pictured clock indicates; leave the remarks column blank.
5:56
